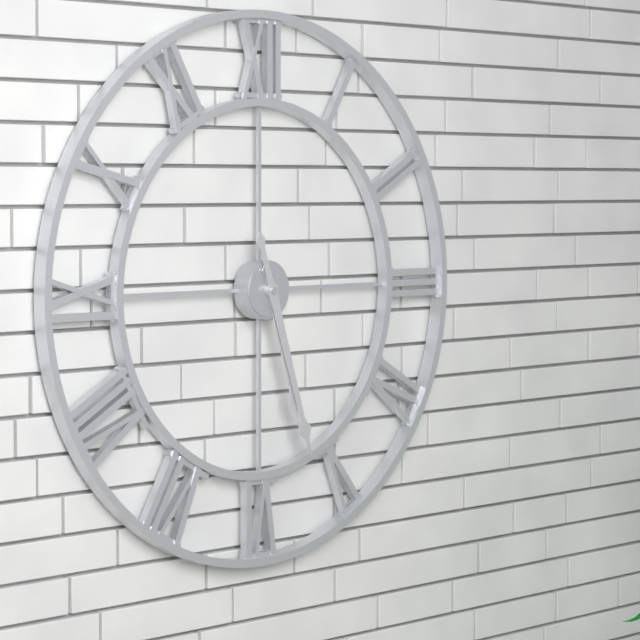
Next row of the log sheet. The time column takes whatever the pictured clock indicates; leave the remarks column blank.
5:27
